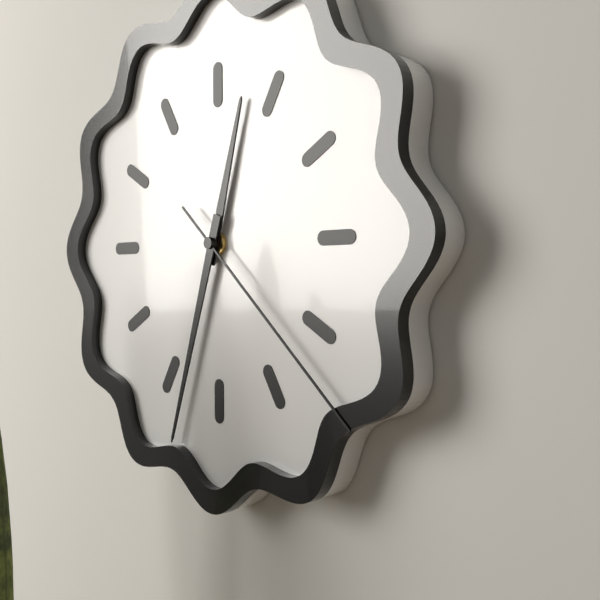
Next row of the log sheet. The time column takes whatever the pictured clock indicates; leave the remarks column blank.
12:33:22
